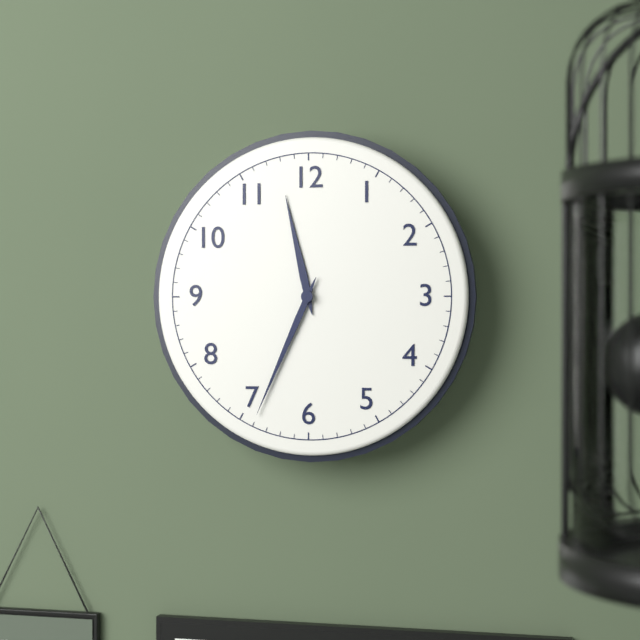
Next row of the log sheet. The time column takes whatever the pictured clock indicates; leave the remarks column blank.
11:34
